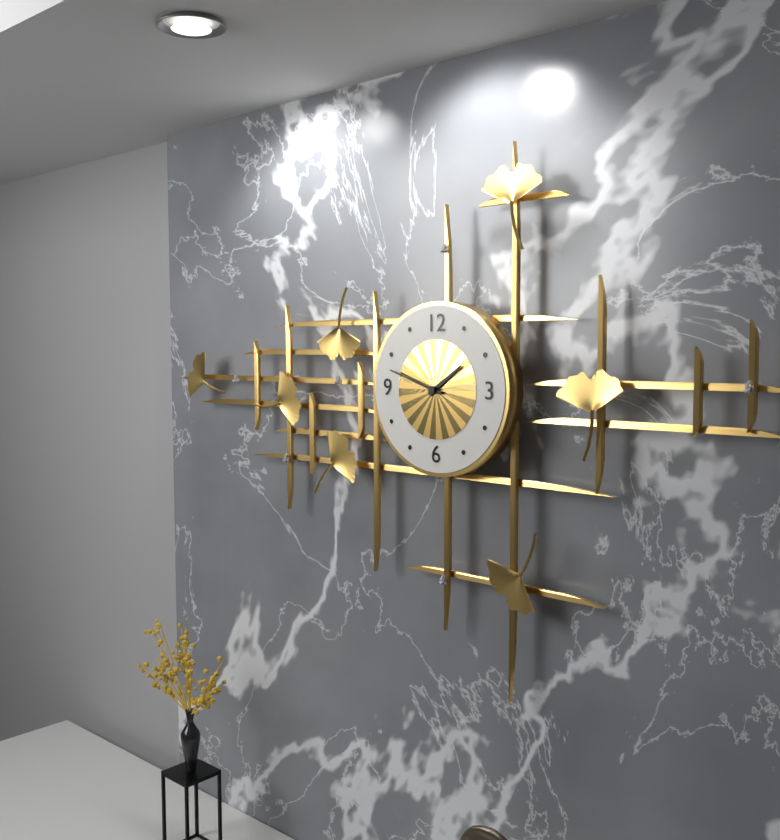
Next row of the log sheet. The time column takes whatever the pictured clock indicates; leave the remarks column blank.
1:48
